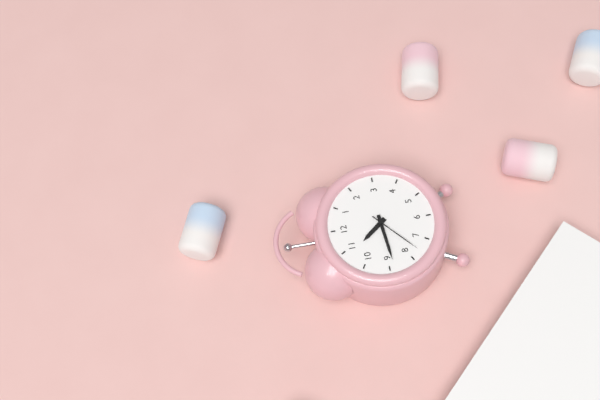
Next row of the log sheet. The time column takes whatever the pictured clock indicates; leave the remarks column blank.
10:44:38
